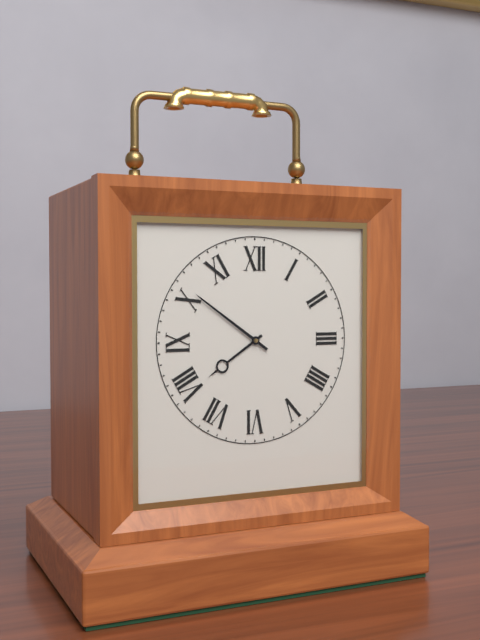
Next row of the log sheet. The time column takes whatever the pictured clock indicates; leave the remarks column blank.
7:51
